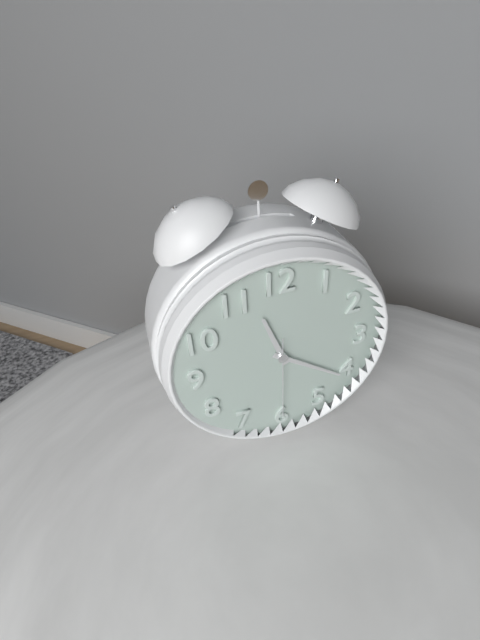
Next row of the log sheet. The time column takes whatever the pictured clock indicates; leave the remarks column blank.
11:21:30
